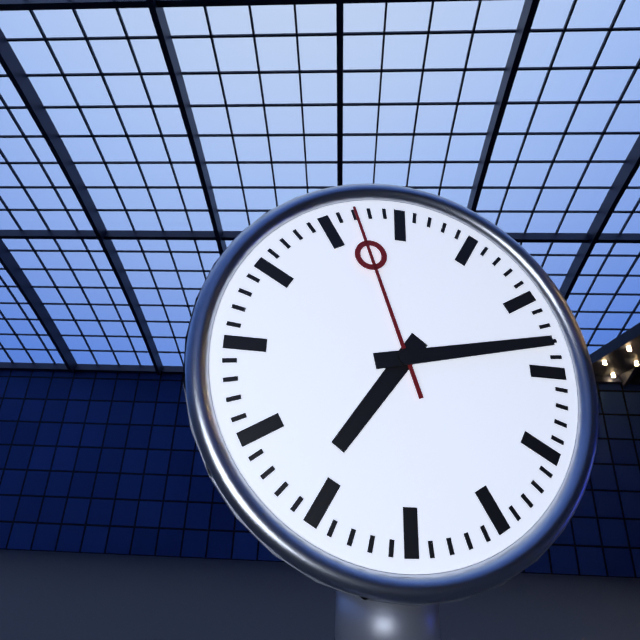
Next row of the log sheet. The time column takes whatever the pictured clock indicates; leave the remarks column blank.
7:13:57
